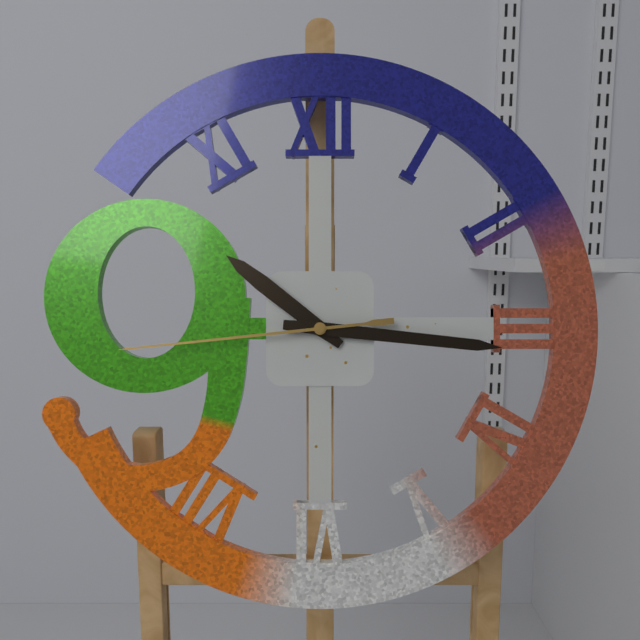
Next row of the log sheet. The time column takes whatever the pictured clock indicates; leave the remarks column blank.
10:16:44
